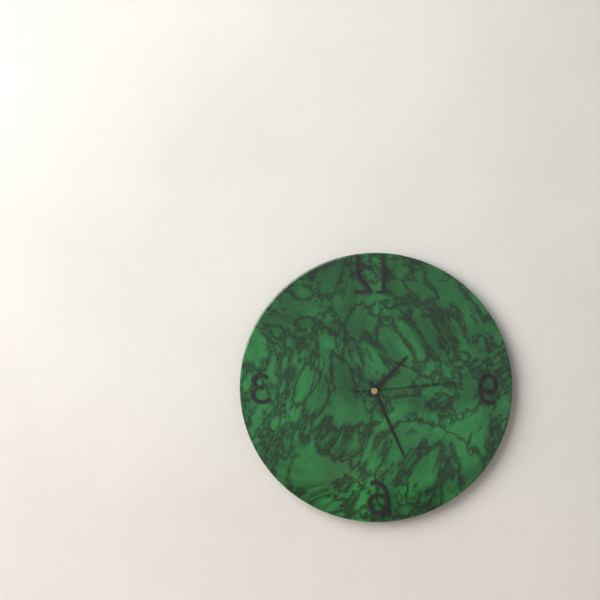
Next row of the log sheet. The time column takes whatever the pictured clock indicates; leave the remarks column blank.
1:26:14
